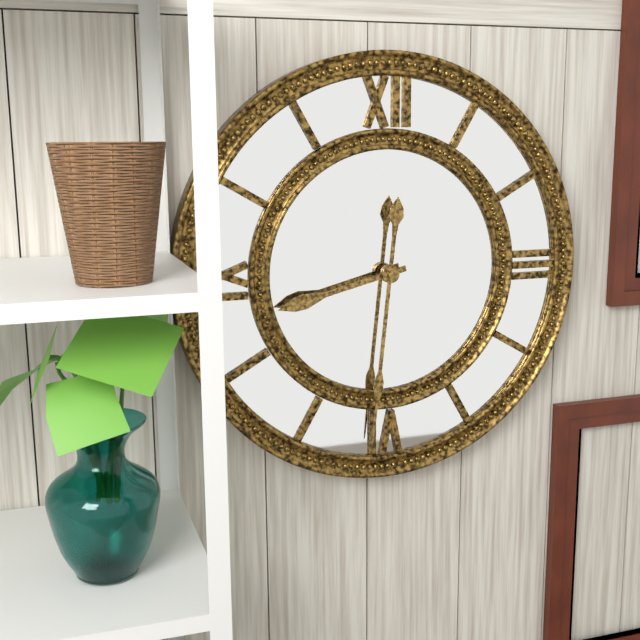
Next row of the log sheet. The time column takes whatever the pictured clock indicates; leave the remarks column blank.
8:31
